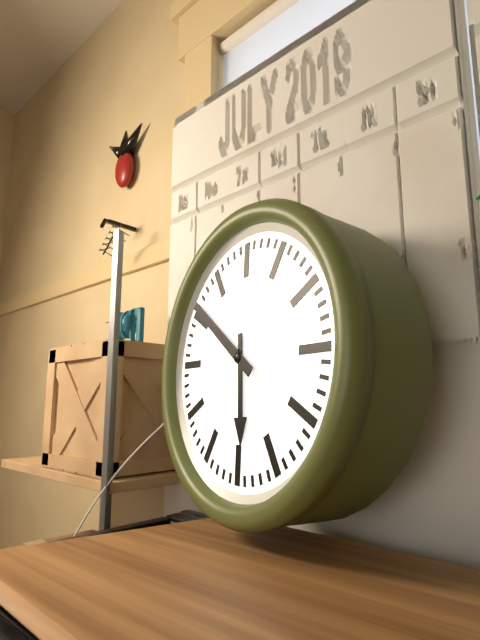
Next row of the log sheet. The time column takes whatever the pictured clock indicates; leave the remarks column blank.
5:51
